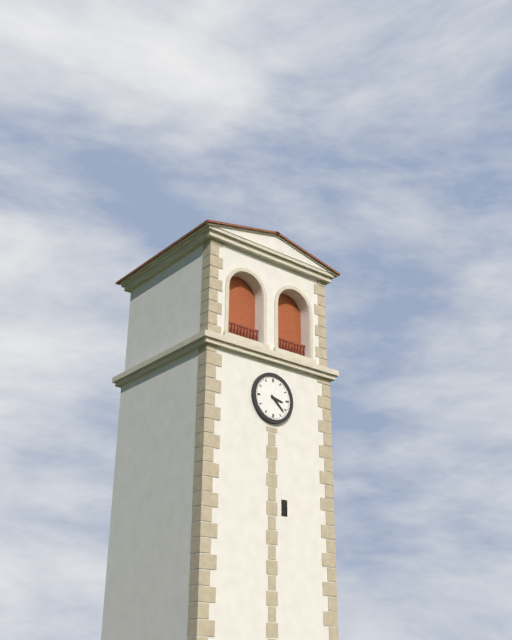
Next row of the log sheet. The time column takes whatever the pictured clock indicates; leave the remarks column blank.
3:22
